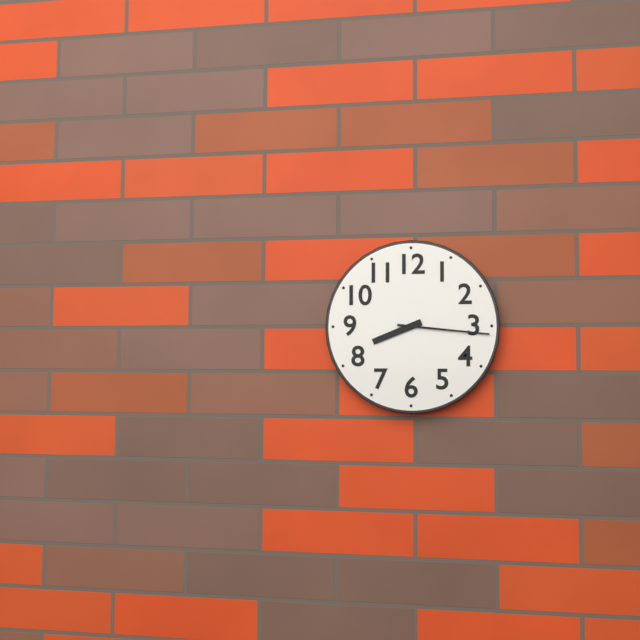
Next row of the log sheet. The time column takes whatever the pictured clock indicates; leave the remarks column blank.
8:16
